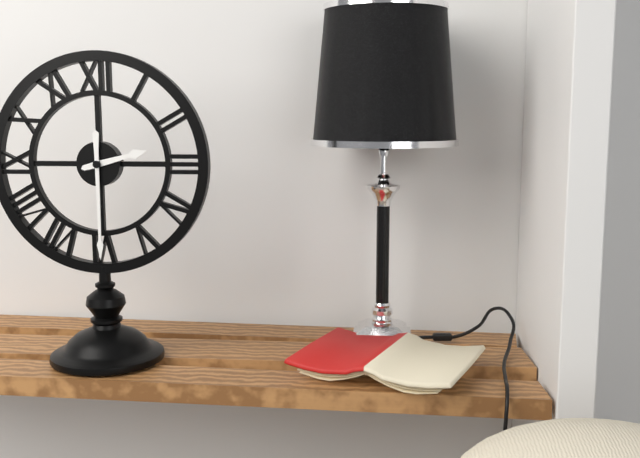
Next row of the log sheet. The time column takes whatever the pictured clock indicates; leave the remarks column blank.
2:30
